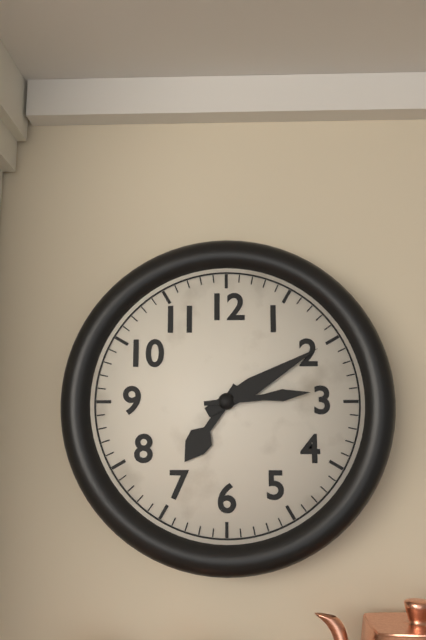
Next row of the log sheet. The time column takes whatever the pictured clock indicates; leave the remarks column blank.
7:10:14
